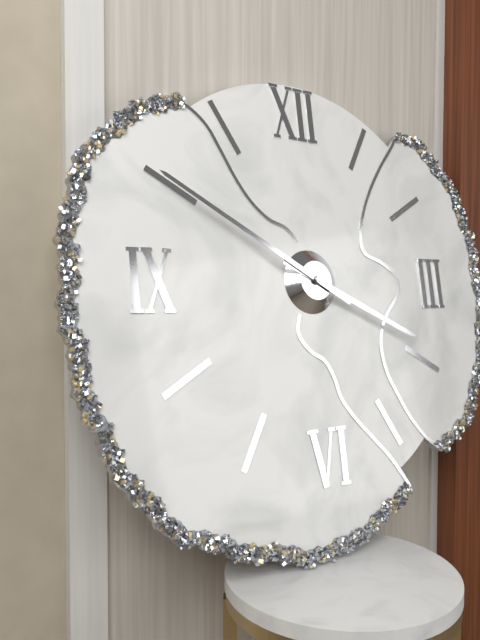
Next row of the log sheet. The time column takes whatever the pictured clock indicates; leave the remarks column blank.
3:50
